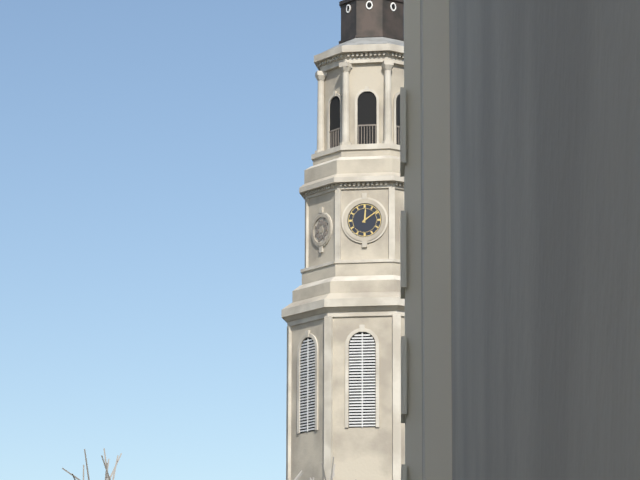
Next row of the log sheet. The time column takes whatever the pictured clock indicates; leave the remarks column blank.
12:09
